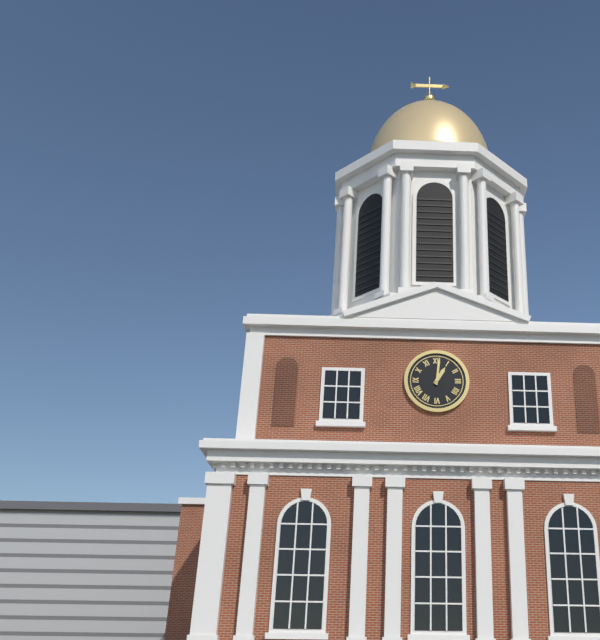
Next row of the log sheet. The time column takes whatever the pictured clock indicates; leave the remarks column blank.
1:01
